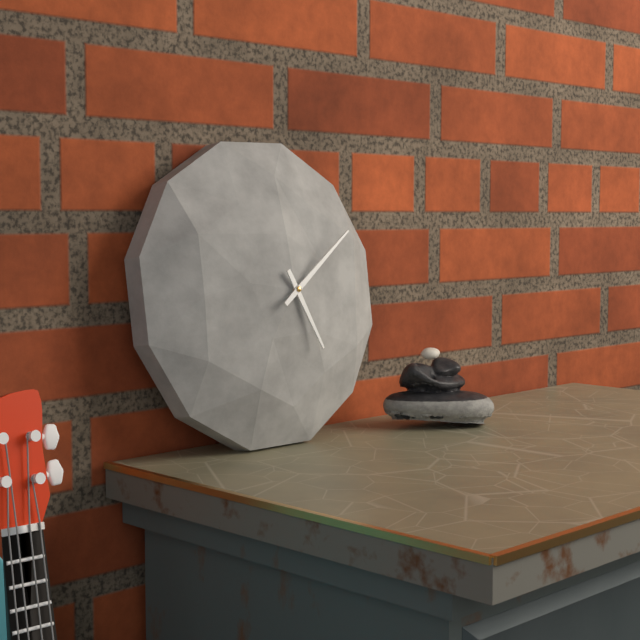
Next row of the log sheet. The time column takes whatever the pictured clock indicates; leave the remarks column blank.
5:09
